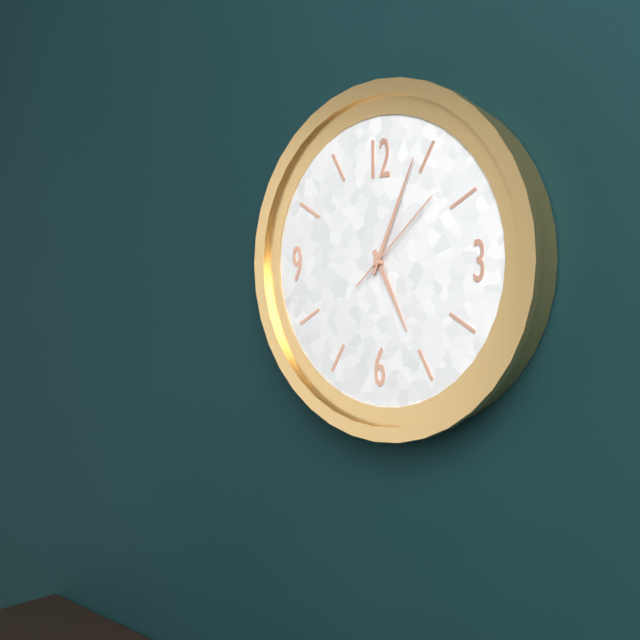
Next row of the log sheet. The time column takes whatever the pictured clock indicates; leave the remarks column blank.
5:04:08
